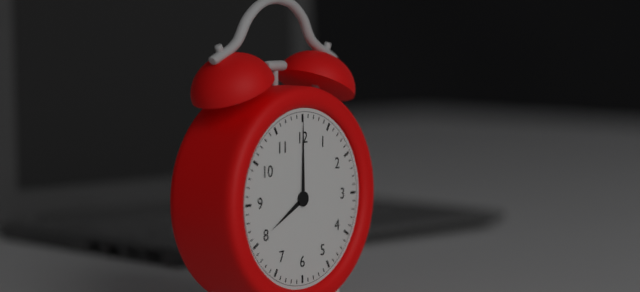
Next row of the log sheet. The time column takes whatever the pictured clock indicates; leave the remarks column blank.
8:00
